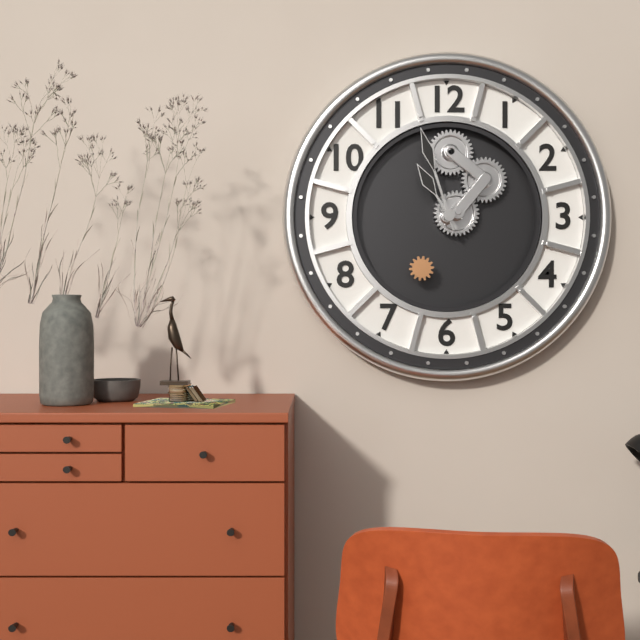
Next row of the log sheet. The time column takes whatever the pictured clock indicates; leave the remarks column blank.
10:57
